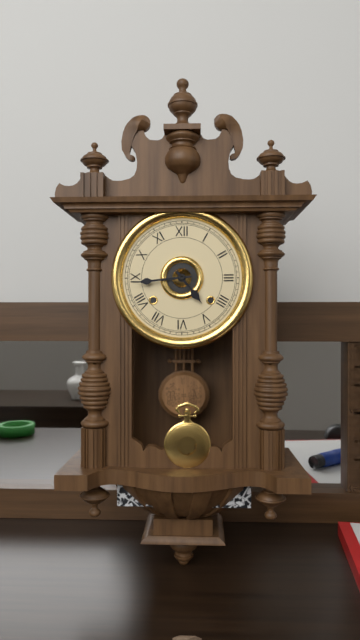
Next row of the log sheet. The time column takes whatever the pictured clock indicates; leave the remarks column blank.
4:44
